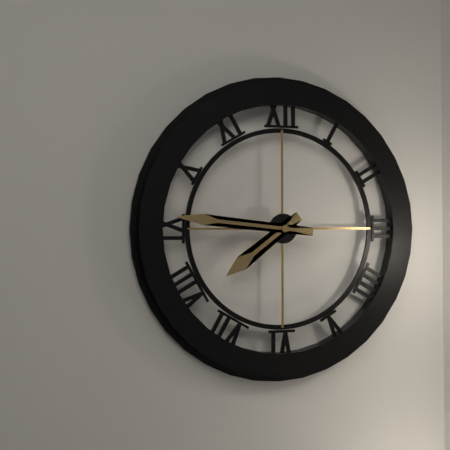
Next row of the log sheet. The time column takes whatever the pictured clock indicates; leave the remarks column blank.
7:46
